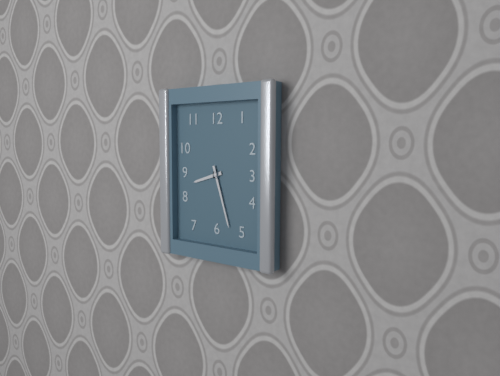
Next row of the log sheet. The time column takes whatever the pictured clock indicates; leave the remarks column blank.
8:27
